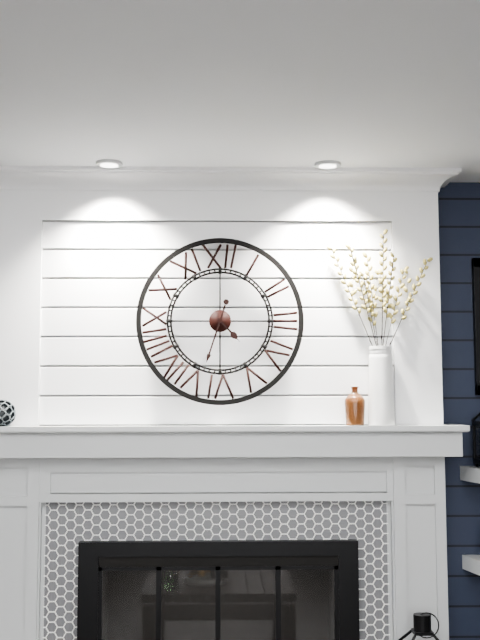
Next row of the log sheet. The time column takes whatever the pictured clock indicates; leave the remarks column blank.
4:33
